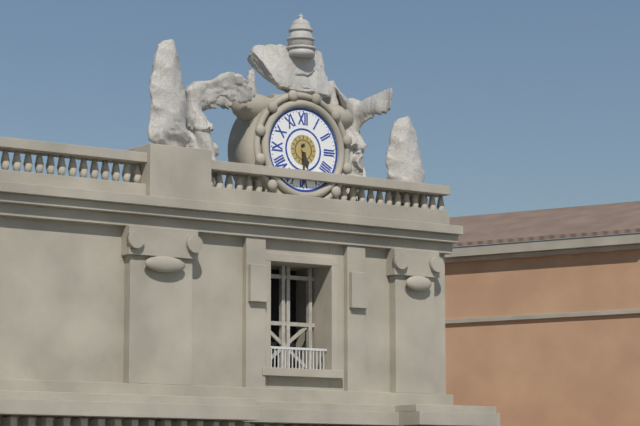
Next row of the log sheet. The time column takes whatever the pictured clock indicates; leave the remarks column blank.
5:30
